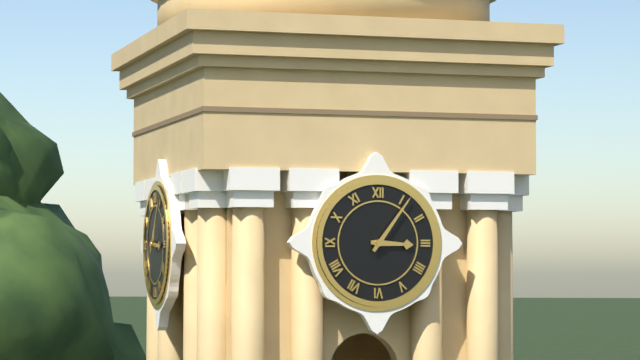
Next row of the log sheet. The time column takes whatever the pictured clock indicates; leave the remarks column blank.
3:06
